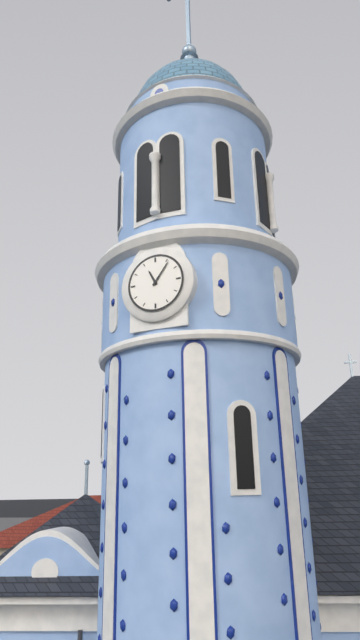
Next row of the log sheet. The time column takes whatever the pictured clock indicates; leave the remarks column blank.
11:06
